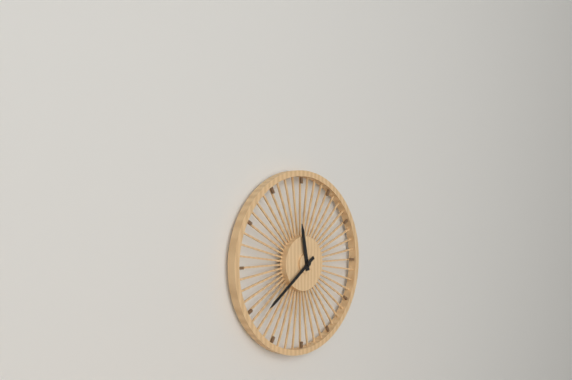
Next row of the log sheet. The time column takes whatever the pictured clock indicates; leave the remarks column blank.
11:39
